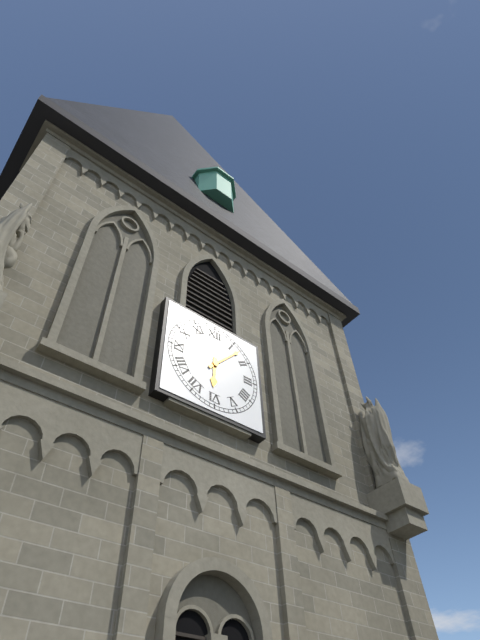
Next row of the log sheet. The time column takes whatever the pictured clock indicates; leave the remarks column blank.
6:07
